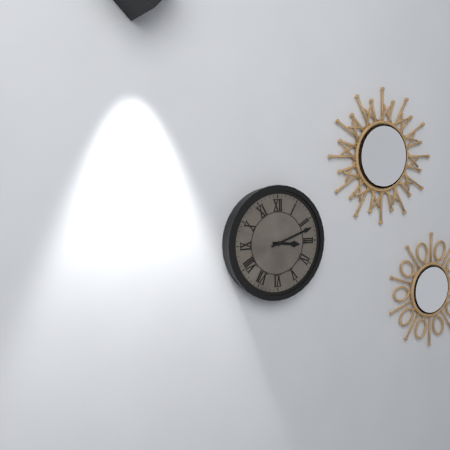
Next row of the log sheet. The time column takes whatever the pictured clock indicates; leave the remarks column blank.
3:12
